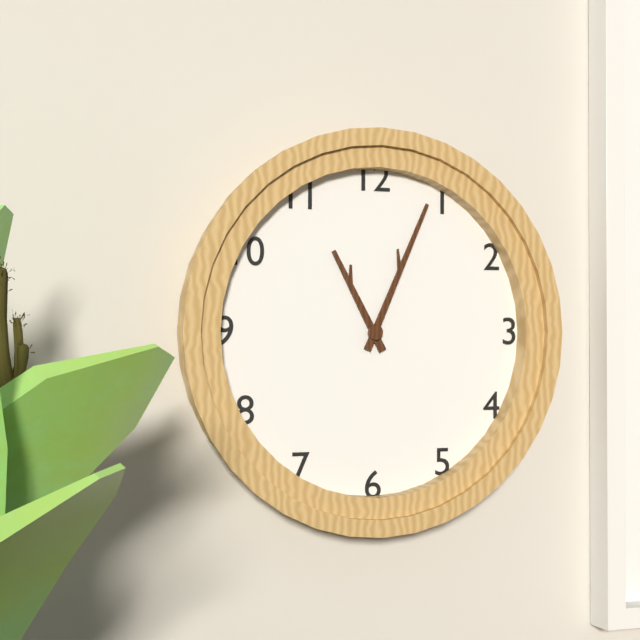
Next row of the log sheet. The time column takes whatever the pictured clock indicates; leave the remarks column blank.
11:04
